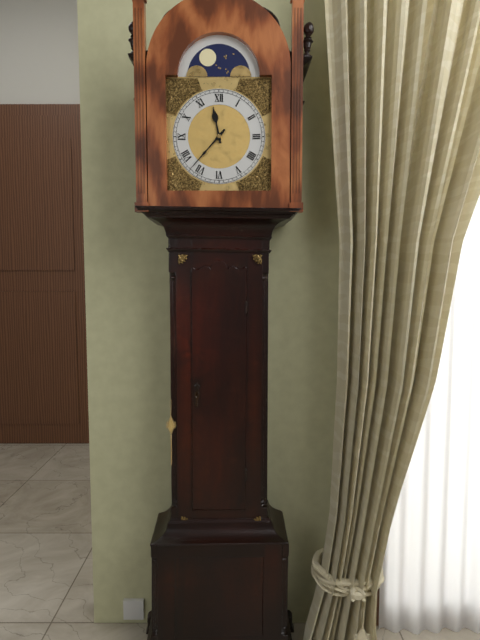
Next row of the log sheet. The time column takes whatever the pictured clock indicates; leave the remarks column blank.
11:37
